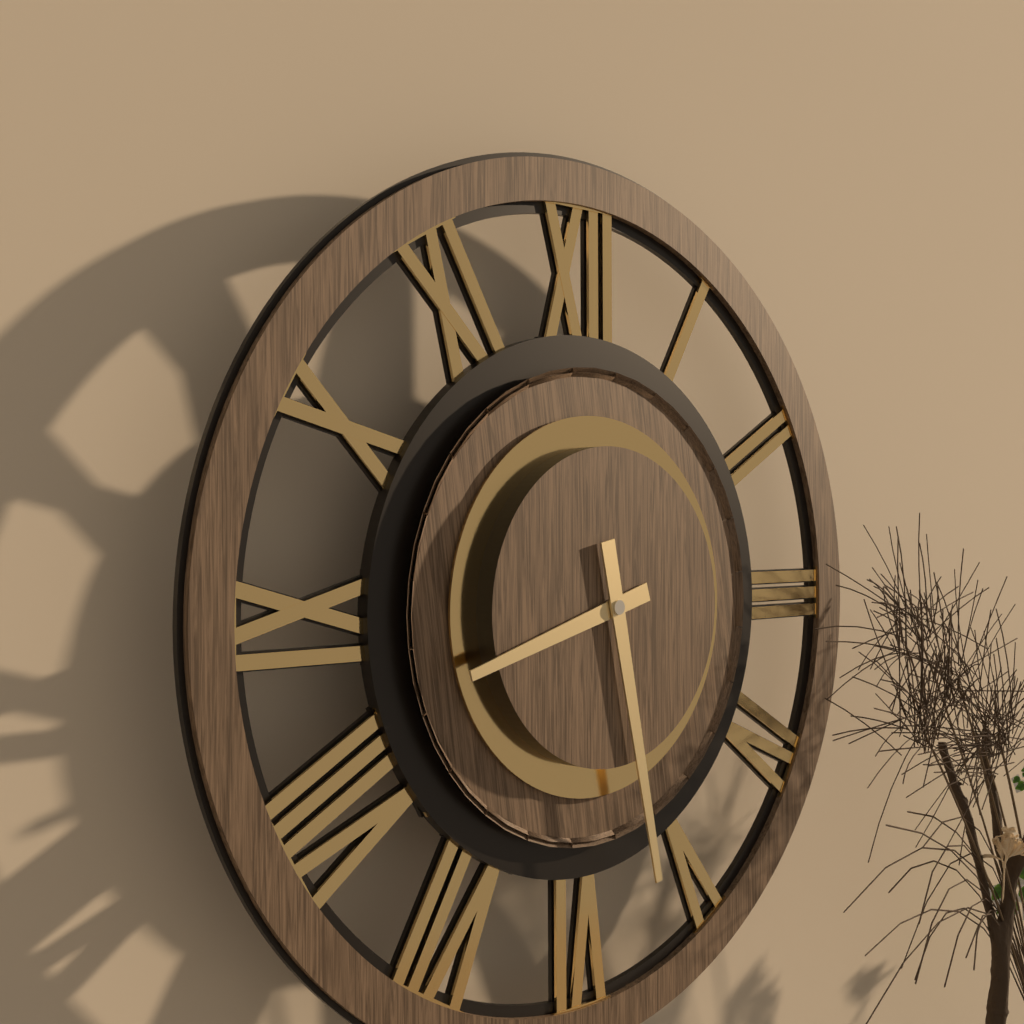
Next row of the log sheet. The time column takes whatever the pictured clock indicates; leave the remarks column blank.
8:28
